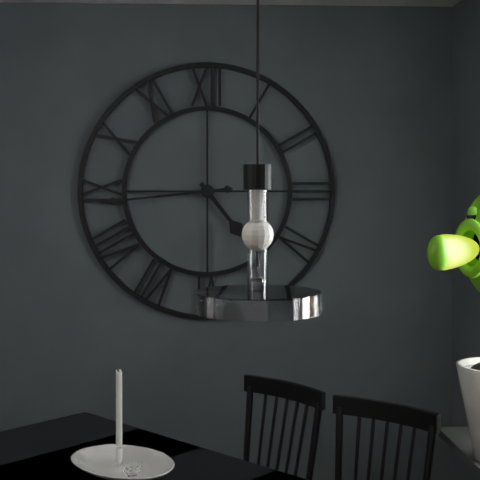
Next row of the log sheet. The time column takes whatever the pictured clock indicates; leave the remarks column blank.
4:44
